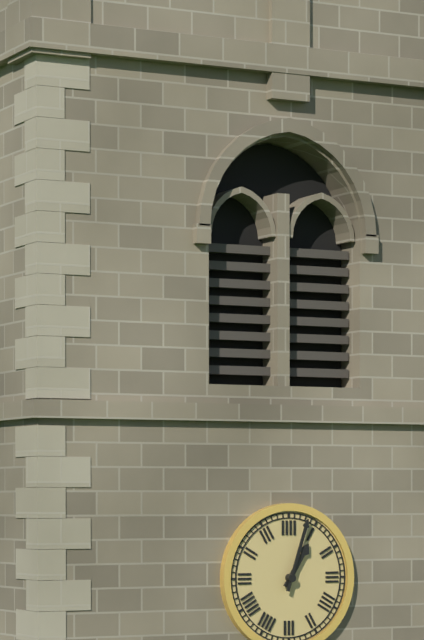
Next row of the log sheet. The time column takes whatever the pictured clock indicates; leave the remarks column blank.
1:03
